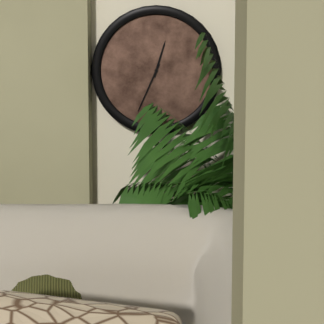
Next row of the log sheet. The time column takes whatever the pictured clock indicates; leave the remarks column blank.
12:34
